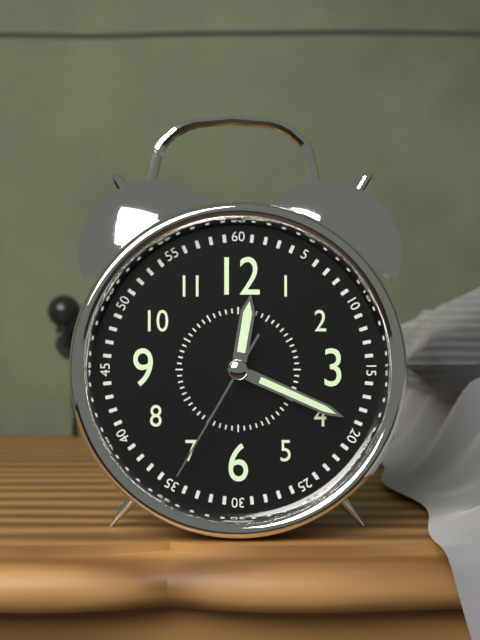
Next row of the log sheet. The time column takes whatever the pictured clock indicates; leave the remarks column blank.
12:19:35
